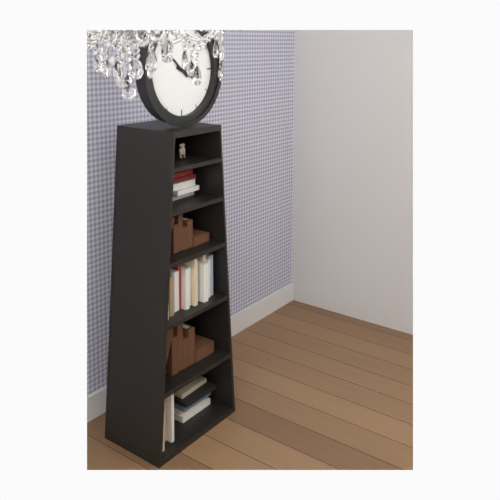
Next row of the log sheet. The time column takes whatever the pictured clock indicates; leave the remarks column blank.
3:52
